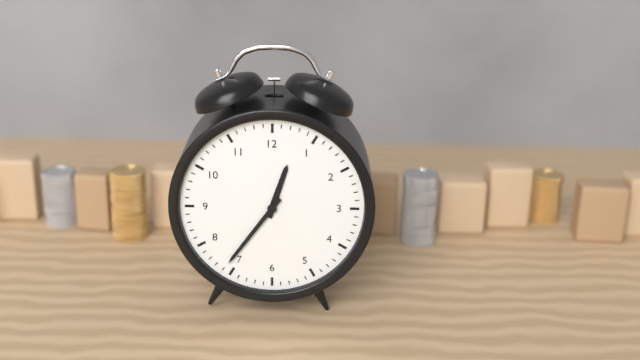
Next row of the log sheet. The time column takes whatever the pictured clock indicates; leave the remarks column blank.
12:36
